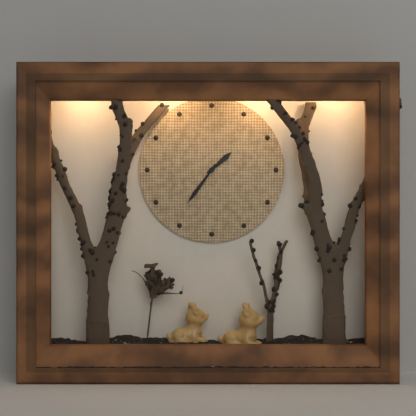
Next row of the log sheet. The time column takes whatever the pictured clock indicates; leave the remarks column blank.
1:36
